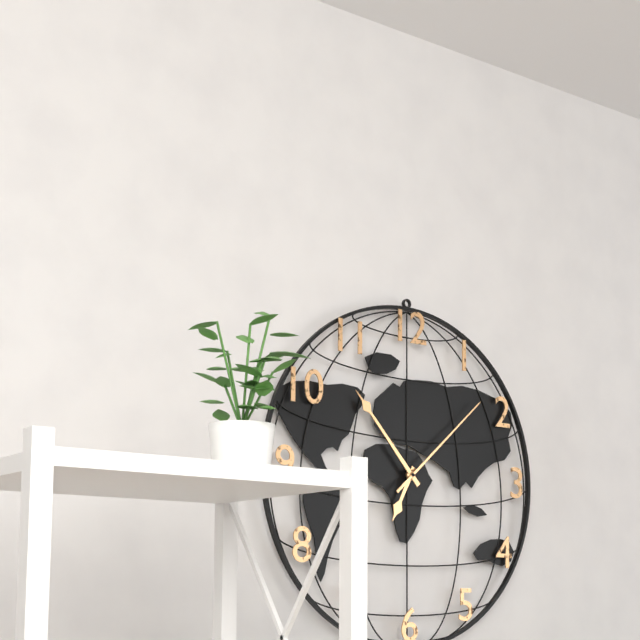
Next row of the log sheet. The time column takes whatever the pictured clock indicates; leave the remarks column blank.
6:53:08
